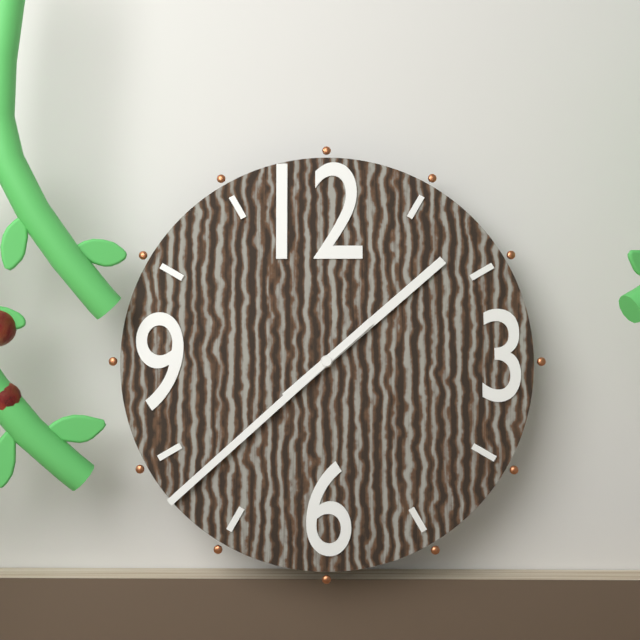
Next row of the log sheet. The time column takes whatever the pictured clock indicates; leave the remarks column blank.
1:38
